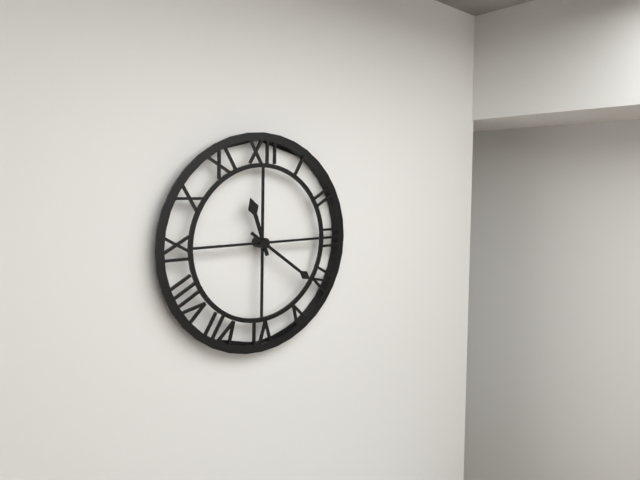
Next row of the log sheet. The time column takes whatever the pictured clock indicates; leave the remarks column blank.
11:21
